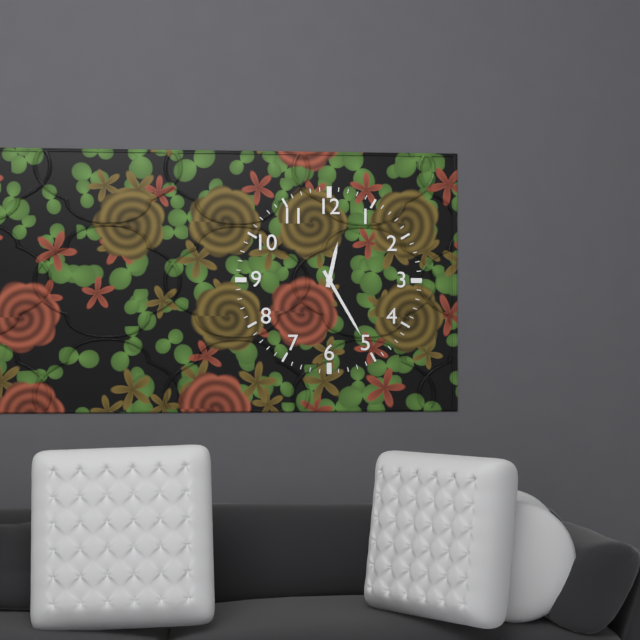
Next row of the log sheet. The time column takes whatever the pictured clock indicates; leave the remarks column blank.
12:25
